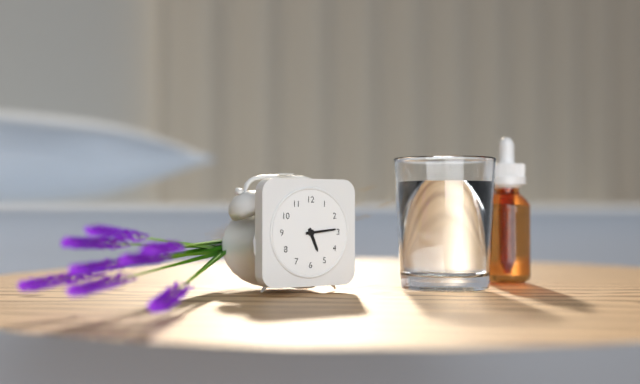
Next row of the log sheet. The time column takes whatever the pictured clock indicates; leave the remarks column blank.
5:14
